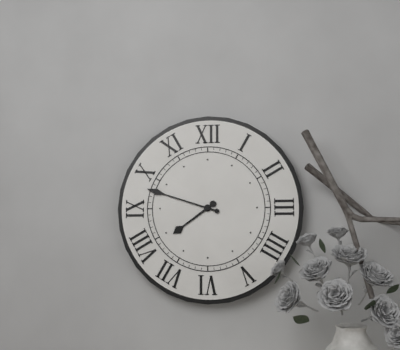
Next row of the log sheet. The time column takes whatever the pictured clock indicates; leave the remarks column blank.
7:48
